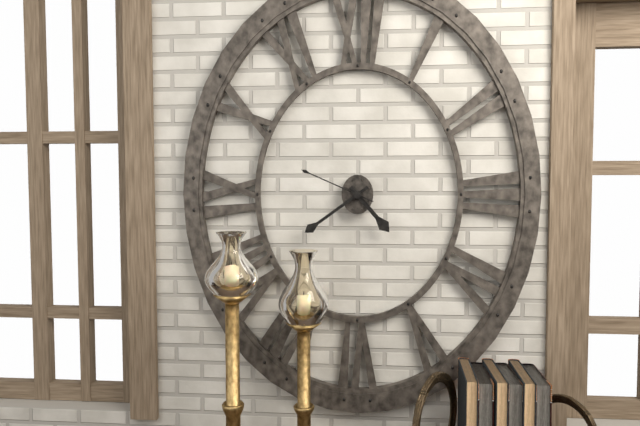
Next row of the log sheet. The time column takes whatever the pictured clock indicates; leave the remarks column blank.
4:39:49
